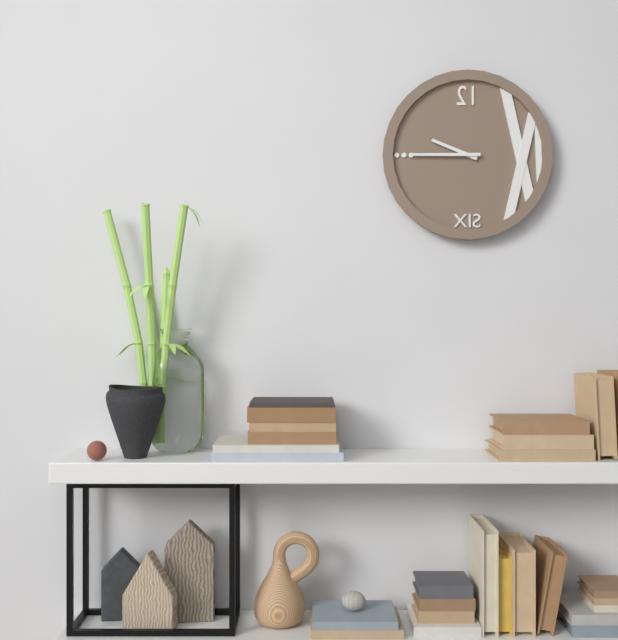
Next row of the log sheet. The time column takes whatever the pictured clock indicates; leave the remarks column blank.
9:45
